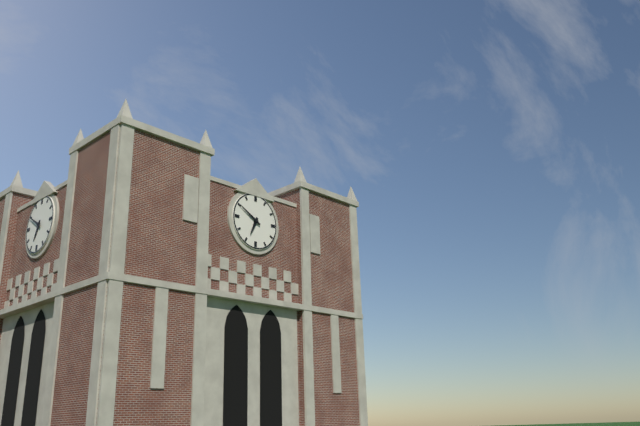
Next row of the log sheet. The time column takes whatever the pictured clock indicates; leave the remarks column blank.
6:50
